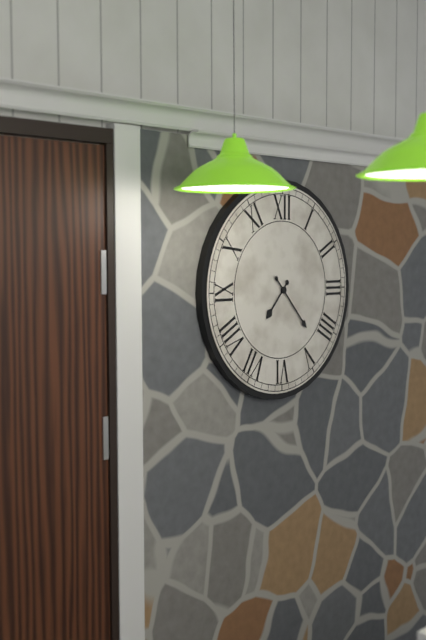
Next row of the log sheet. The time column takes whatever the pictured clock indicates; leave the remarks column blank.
7:23
